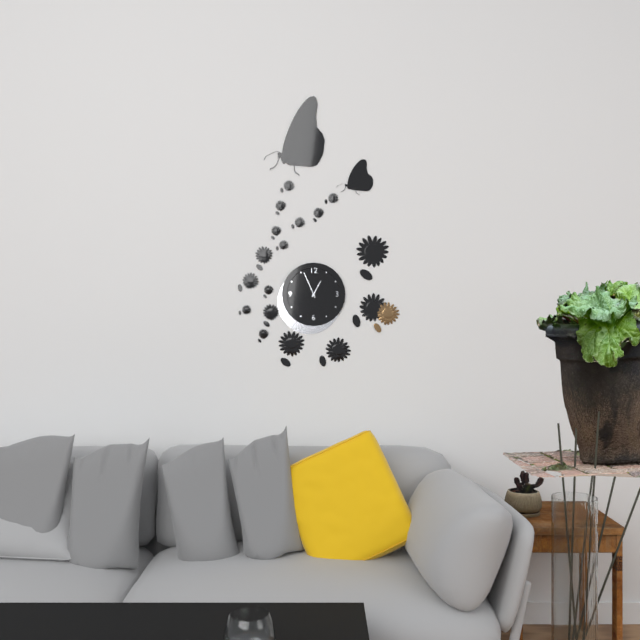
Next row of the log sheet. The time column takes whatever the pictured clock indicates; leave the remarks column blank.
12:56
